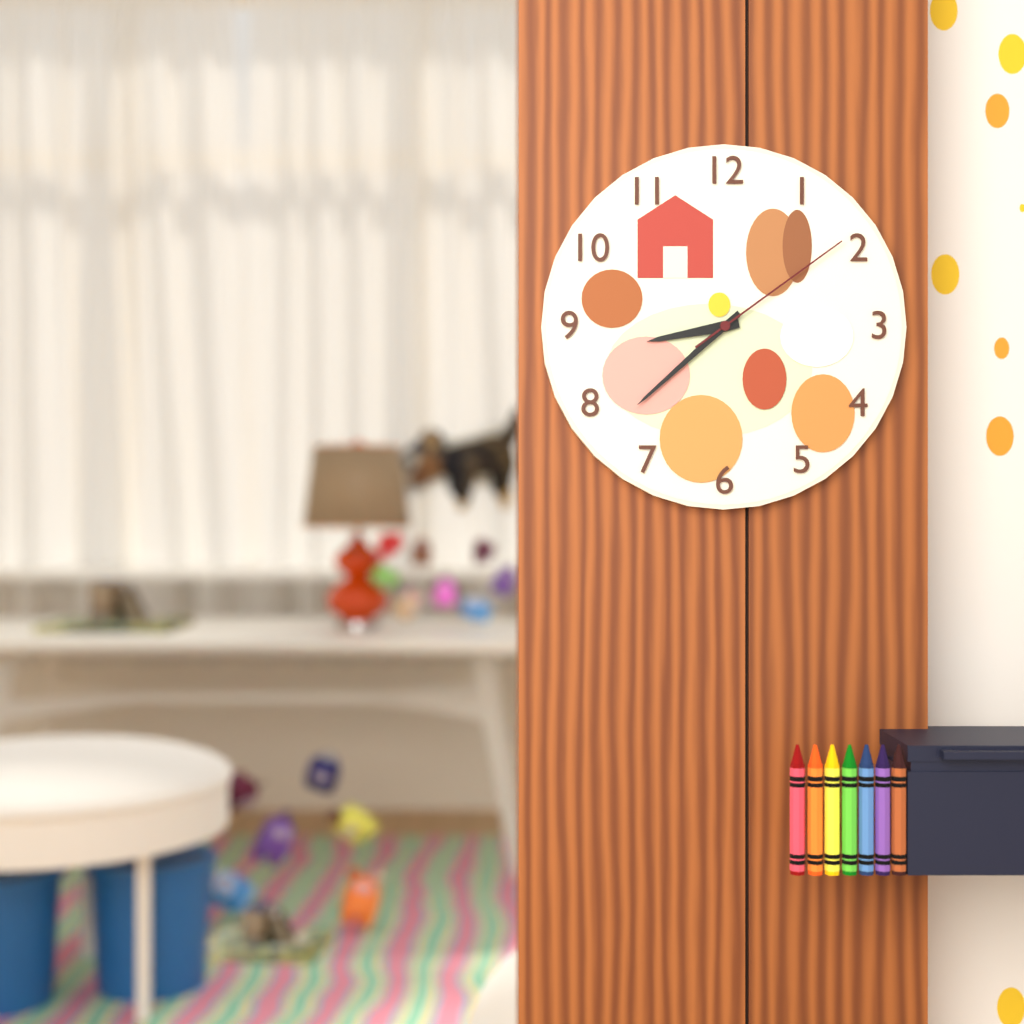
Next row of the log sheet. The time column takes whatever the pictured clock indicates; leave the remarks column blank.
8:38:09
